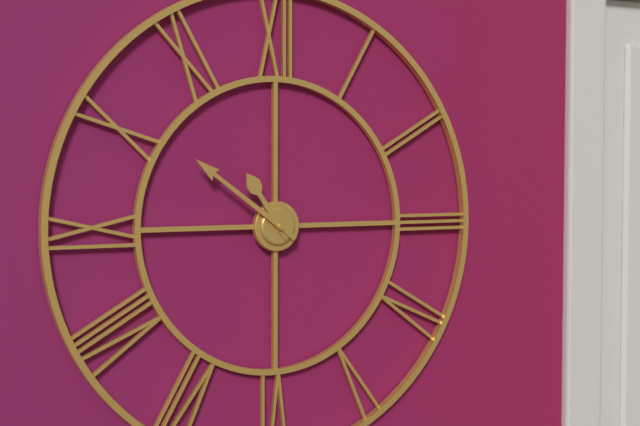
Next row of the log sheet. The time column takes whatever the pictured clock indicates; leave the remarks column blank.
10:51
